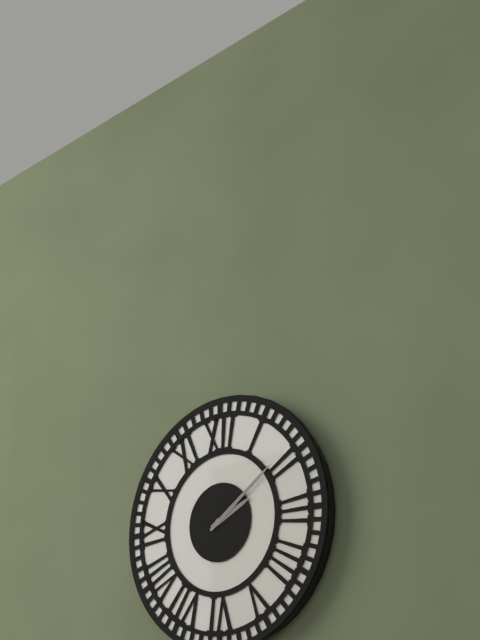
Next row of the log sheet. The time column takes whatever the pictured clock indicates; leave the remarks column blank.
2:09
